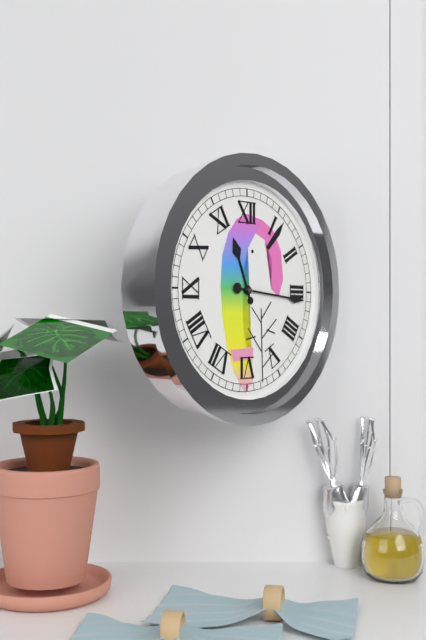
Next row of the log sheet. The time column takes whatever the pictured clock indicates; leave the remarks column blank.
11:16
